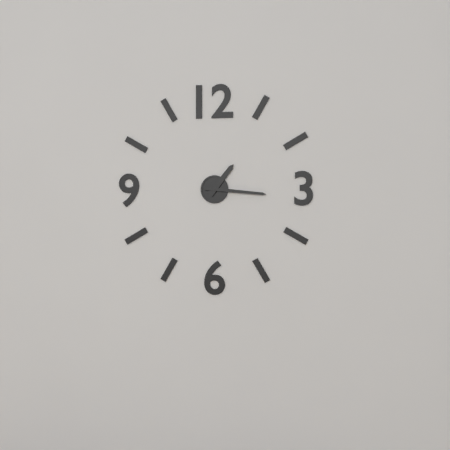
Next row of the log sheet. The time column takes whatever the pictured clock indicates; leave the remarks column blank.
1:16
